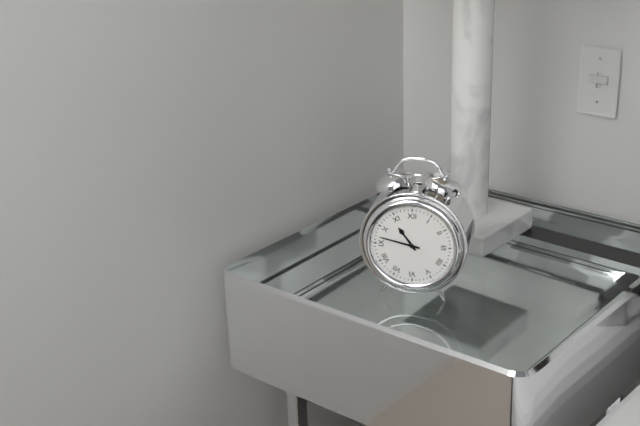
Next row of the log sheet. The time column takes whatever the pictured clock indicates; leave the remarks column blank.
10:47
